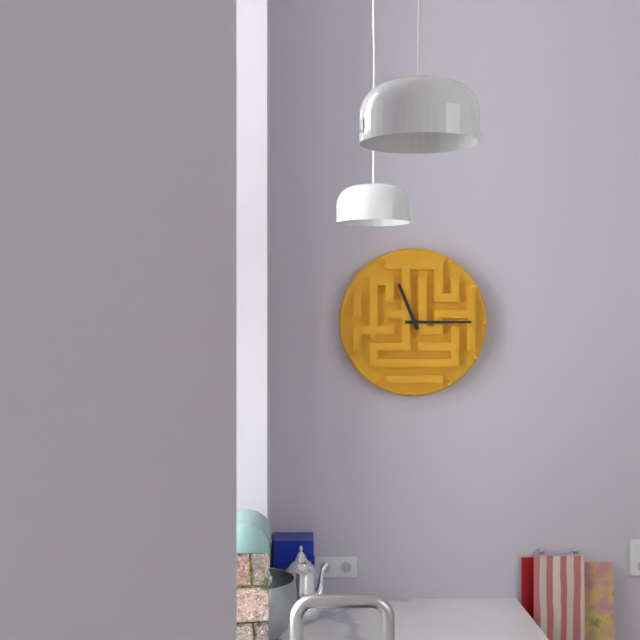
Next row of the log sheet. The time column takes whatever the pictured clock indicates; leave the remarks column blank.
11:15
